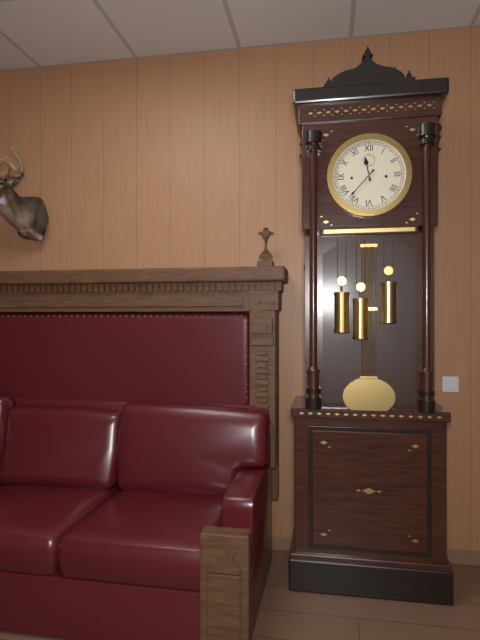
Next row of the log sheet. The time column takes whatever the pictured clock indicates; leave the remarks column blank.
11:37
